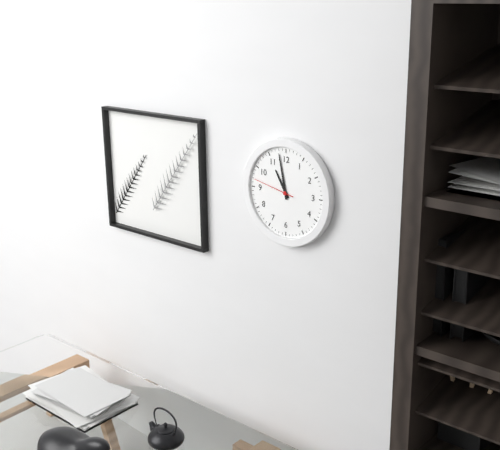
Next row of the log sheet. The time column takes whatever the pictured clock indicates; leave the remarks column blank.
10:58
